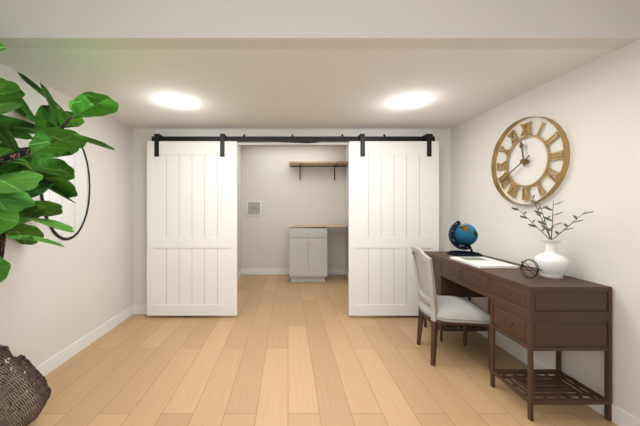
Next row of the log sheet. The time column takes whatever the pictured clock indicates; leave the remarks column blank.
11:40
